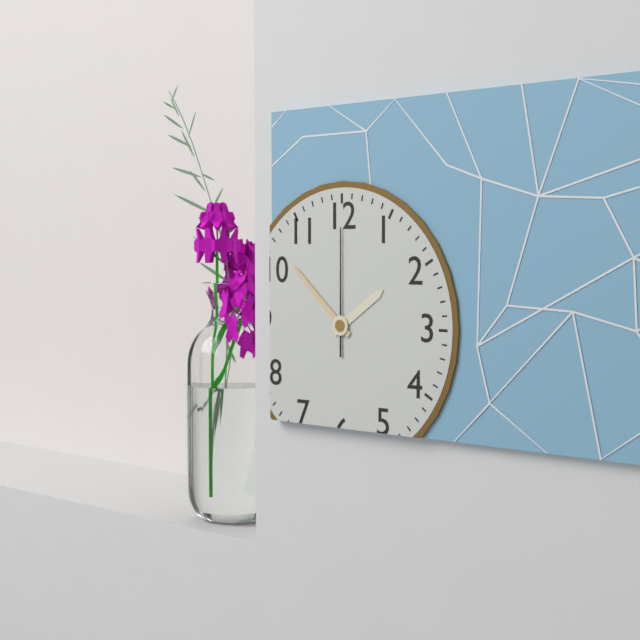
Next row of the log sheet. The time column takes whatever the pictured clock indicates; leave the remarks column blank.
1:52:00
